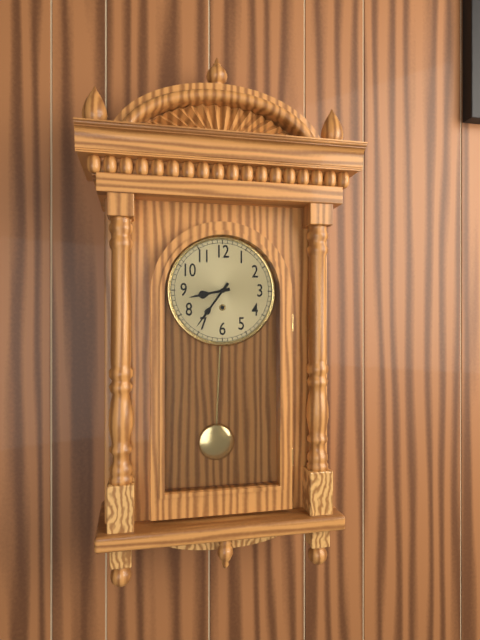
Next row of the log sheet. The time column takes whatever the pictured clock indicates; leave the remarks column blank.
8:36
